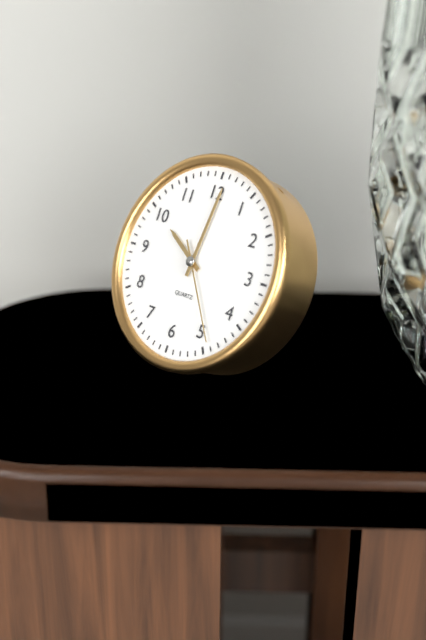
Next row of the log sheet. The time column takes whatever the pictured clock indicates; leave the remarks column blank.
10:01:24
